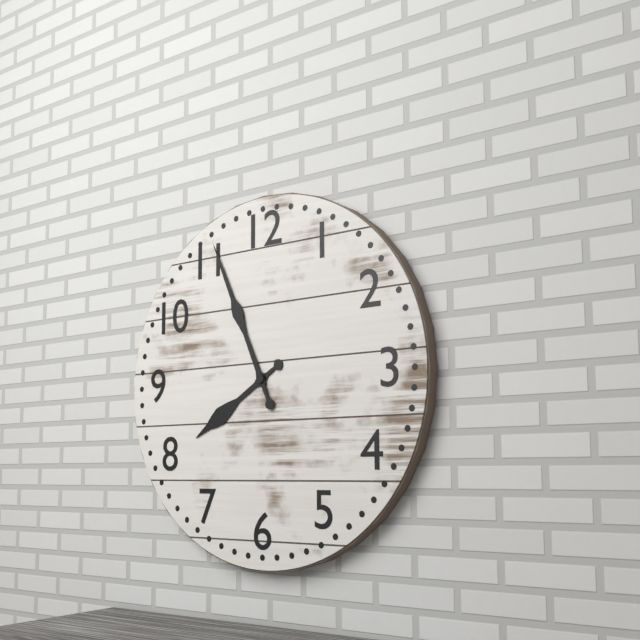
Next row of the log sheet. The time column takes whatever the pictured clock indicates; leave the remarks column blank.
7:56
